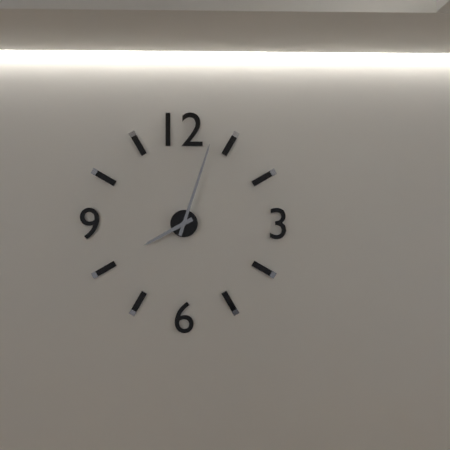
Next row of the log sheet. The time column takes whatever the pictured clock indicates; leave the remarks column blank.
8:03
